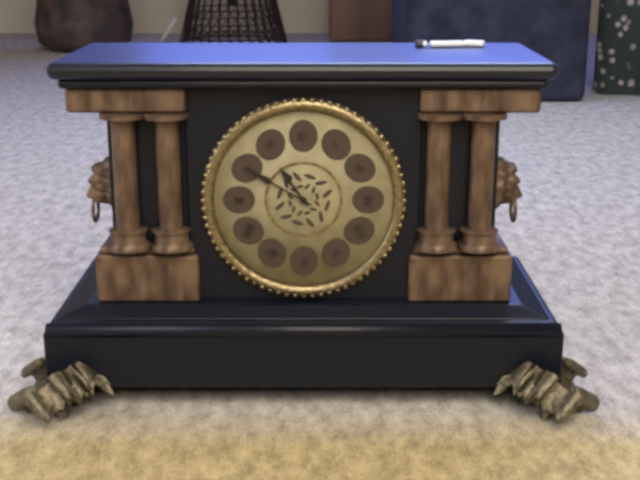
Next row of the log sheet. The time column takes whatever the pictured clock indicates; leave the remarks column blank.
10:50
